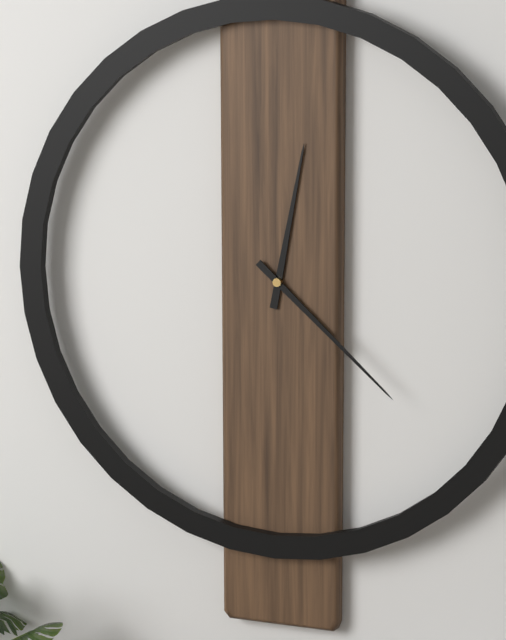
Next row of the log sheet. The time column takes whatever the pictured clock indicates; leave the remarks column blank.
12:22
